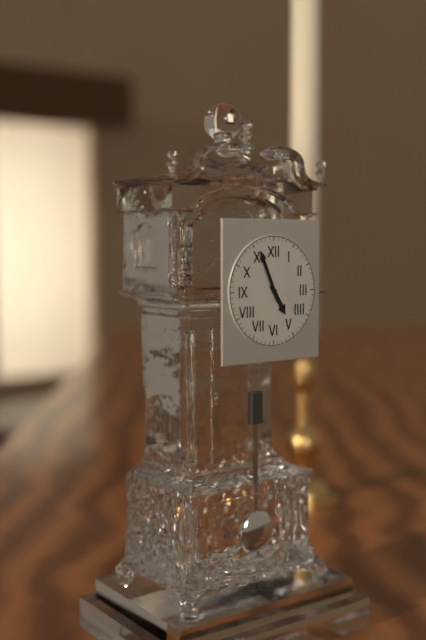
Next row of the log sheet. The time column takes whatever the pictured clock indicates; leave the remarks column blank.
4:56
